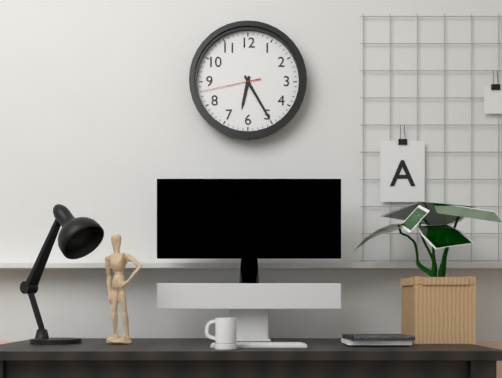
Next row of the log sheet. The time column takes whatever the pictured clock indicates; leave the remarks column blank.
6:25:43
